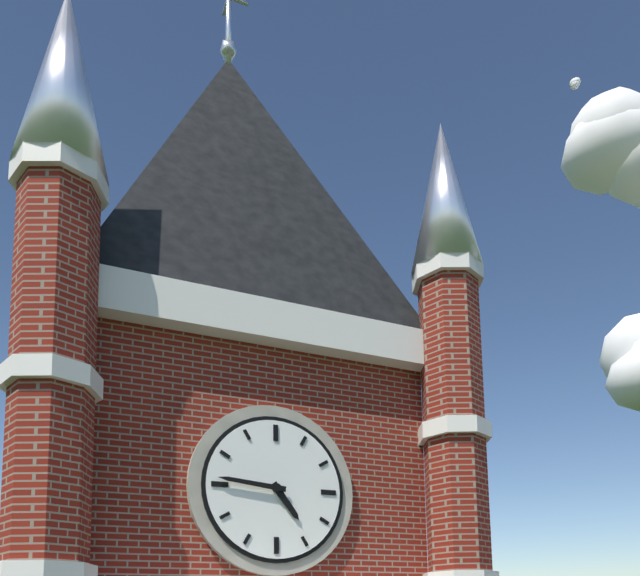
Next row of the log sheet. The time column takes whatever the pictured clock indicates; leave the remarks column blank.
4:46
